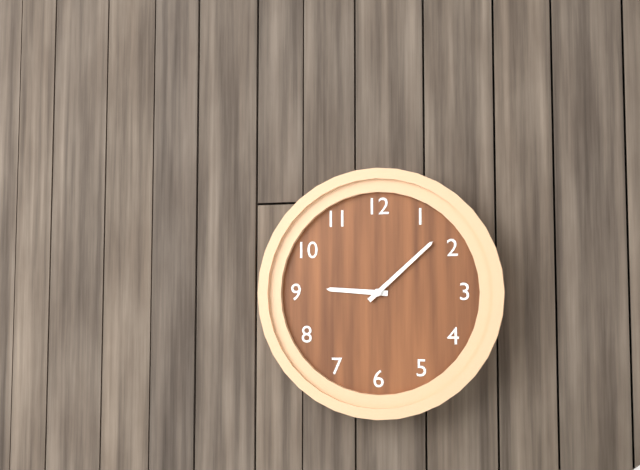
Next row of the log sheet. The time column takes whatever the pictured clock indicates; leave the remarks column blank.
9:08
